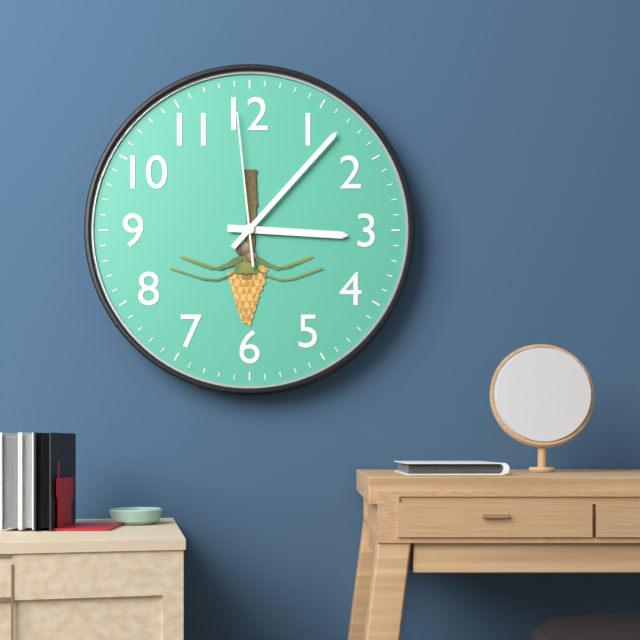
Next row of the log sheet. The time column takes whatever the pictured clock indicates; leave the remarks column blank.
3:07:59
